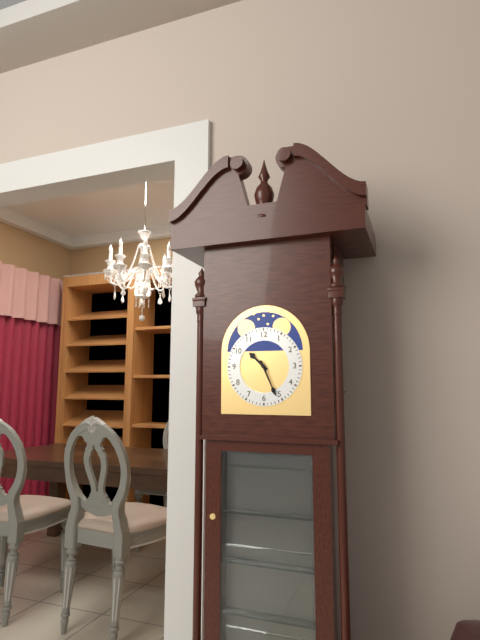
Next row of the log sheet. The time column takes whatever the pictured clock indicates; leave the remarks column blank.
10:26
